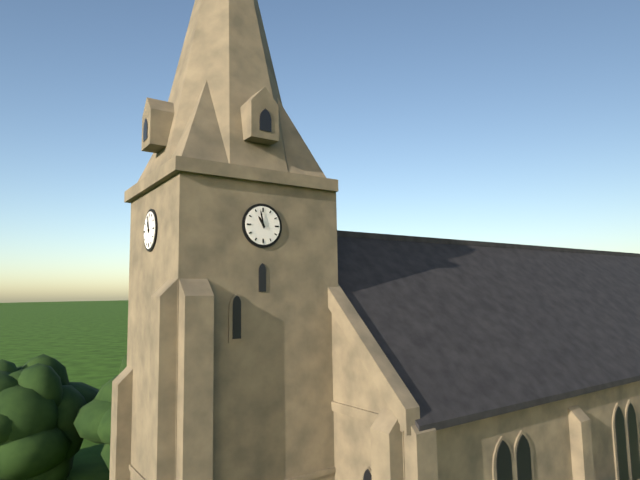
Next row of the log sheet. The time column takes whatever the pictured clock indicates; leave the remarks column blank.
10:58
